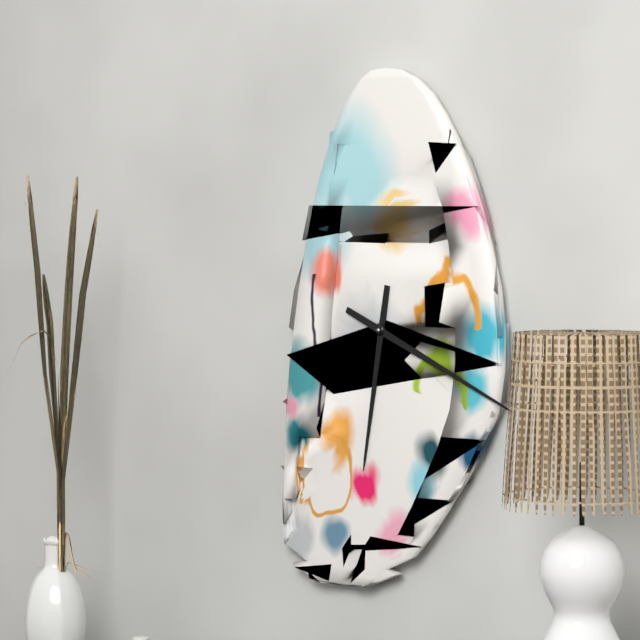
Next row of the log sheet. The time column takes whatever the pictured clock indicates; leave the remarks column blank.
6:19
